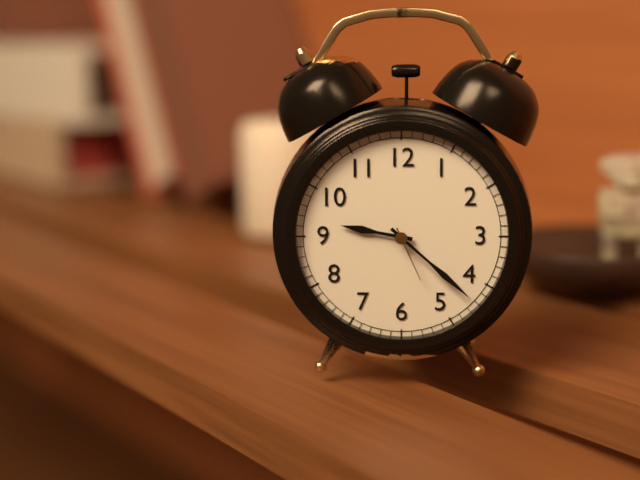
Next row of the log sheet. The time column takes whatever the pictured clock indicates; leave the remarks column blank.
9:22:26
